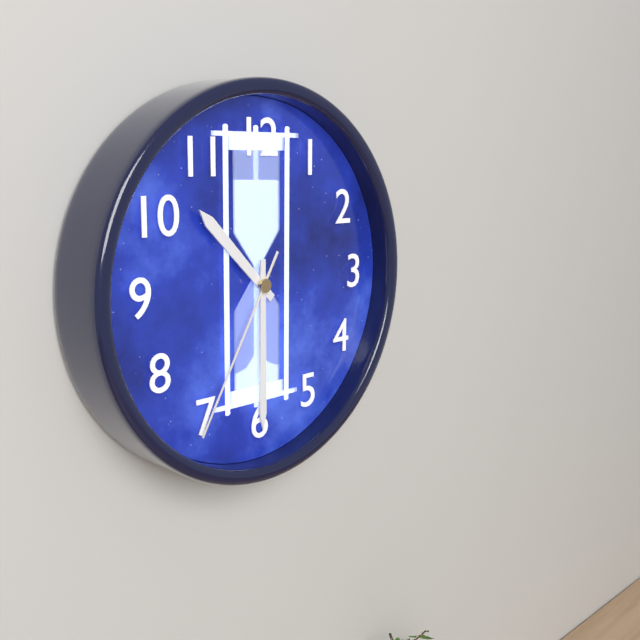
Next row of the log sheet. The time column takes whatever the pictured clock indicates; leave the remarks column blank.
10:30:35
